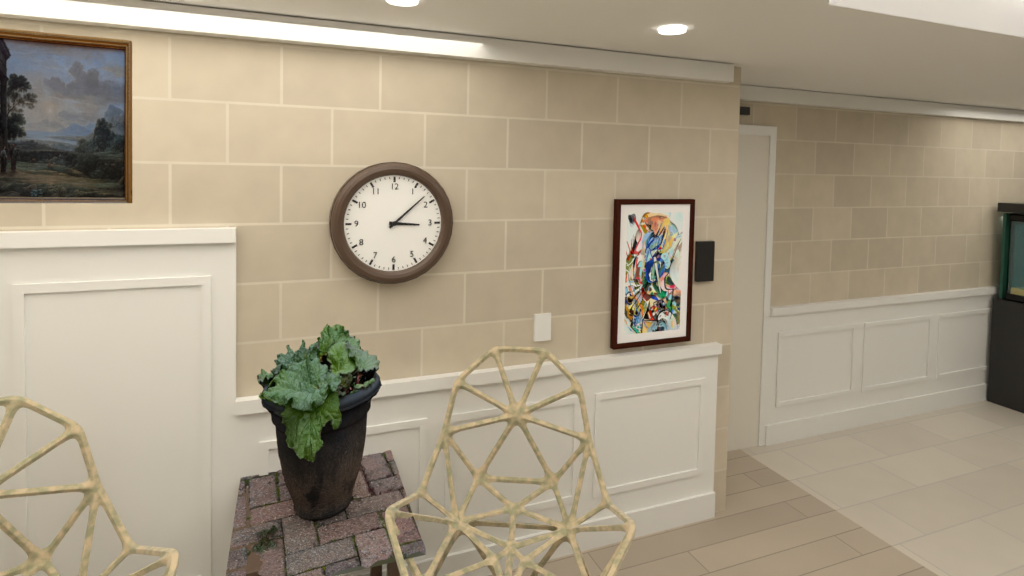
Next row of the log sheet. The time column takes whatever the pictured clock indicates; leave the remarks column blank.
3:08
